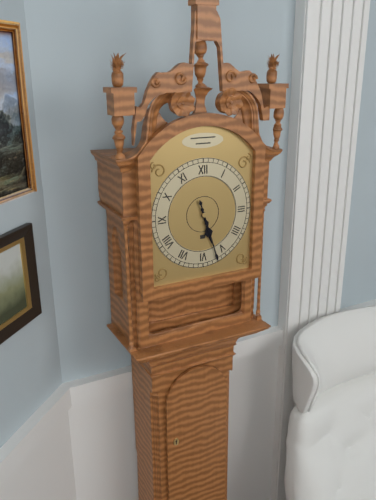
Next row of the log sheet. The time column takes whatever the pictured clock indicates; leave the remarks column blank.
5:27
